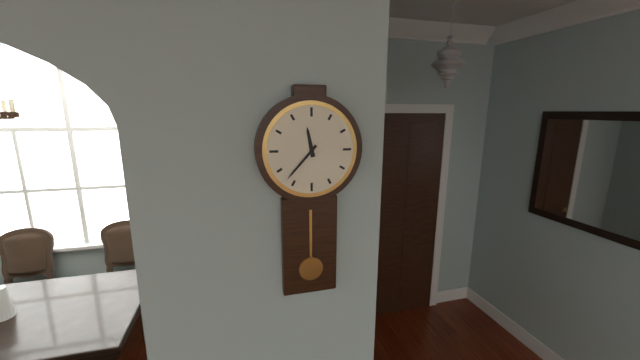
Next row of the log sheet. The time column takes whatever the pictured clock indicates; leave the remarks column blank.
11:37
